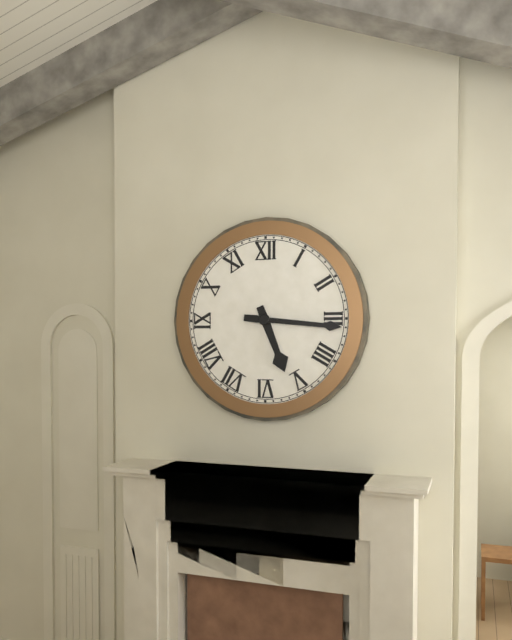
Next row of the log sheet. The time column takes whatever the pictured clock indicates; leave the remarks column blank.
5:16
